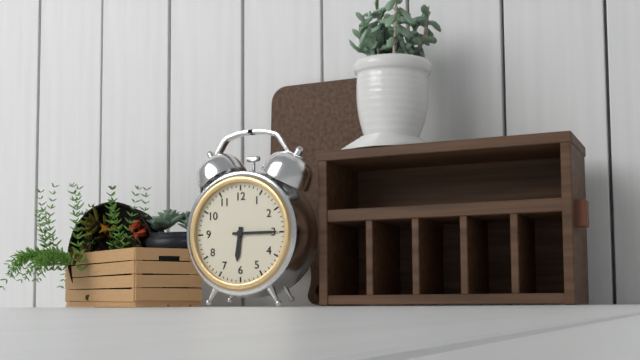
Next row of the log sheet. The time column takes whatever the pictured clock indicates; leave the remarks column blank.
6:15
